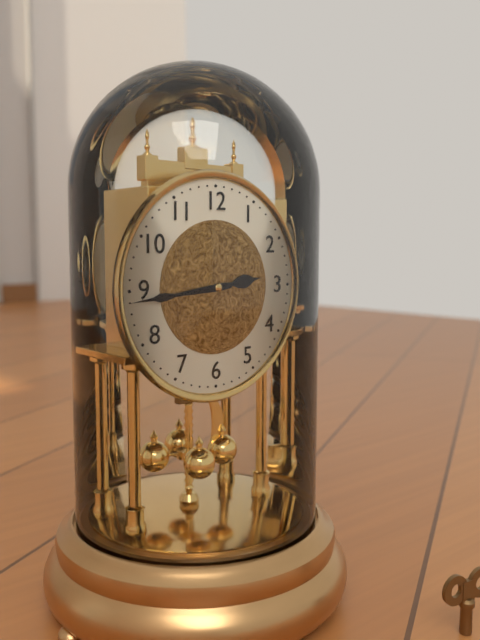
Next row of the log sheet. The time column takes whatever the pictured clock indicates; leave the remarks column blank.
2:44
